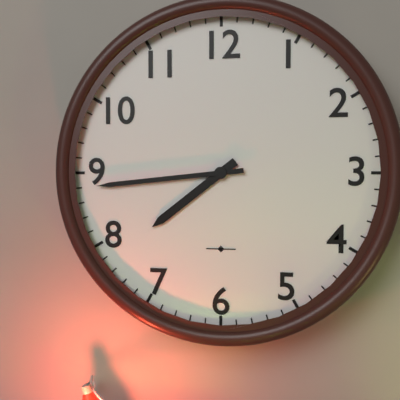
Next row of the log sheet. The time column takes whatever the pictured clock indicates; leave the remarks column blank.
7:44
